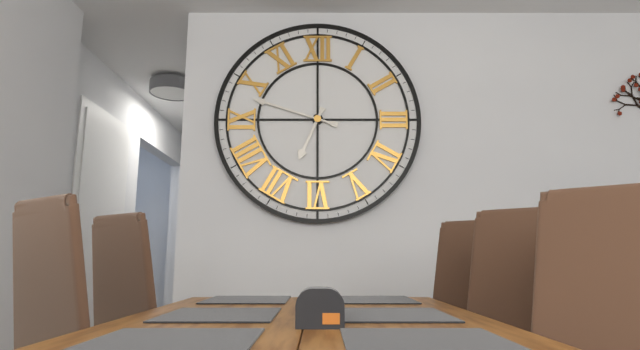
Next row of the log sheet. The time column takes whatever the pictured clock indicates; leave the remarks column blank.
6:48
